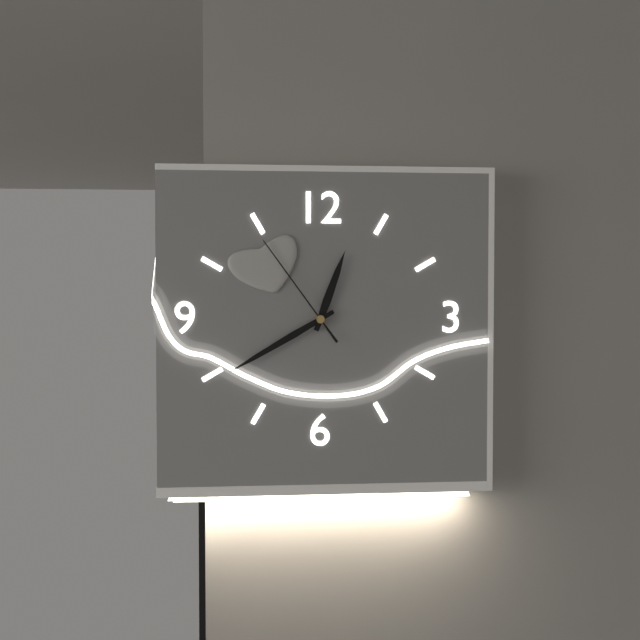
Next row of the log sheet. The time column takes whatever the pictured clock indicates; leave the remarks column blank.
12:40:54
